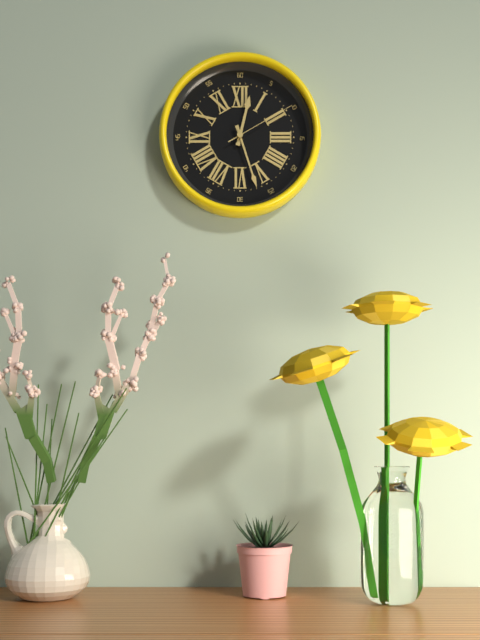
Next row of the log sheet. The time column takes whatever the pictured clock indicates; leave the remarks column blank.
12:27:10
